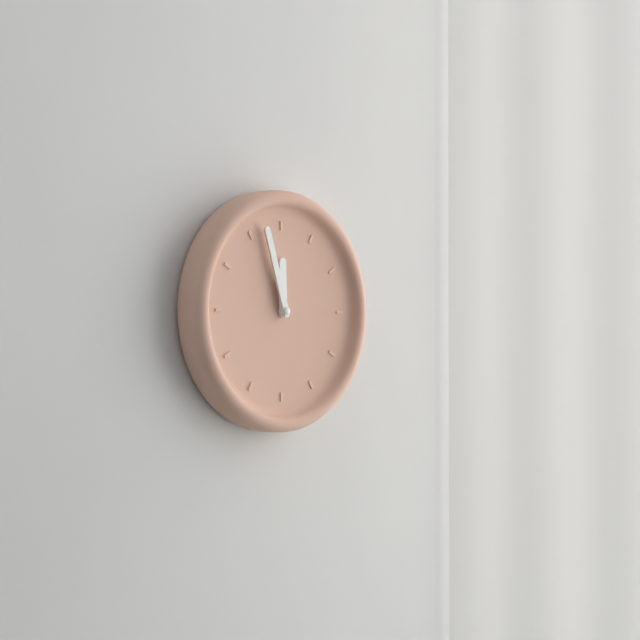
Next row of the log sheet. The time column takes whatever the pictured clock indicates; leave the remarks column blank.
11:57
